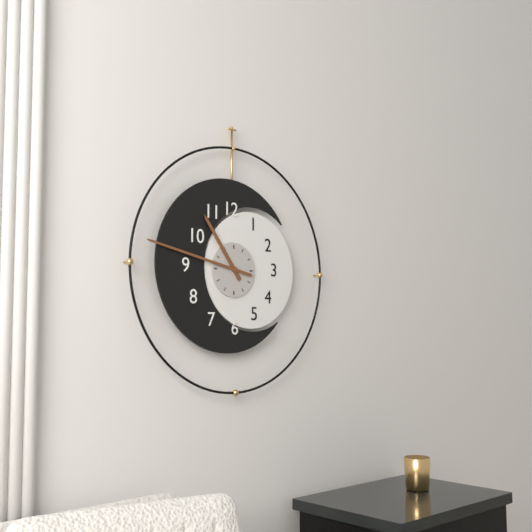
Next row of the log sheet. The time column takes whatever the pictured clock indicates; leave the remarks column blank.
10:47
